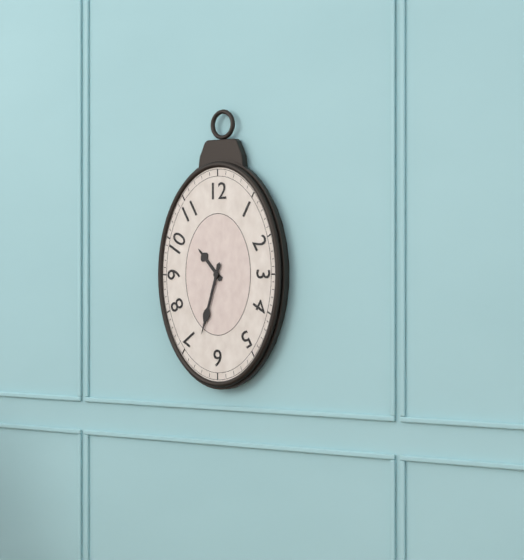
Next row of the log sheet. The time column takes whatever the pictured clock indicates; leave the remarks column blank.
10:33
